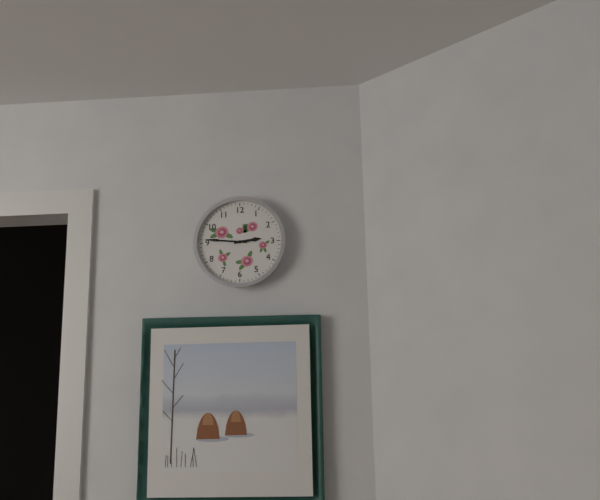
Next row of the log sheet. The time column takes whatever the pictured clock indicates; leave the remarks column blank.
2:46
